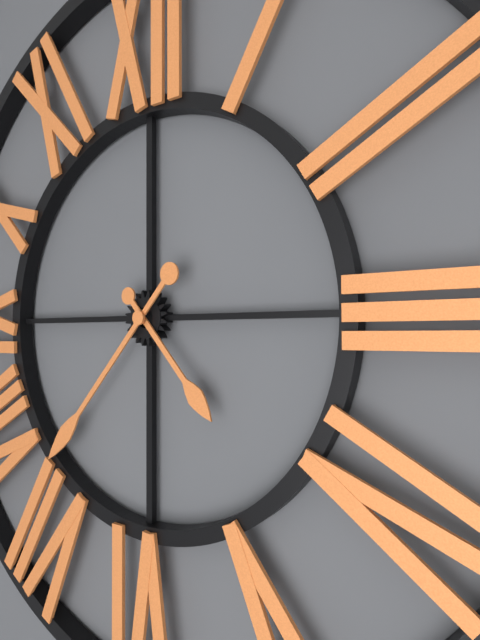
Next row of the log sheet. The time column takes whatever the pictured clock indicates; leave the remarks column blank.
4:37
